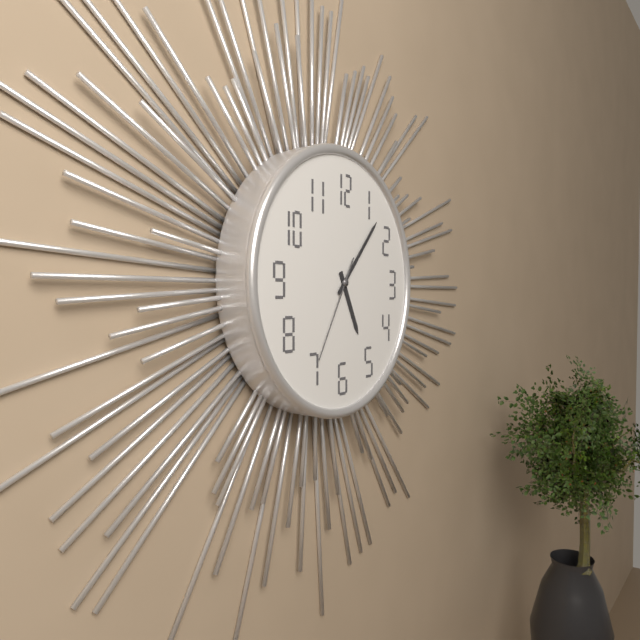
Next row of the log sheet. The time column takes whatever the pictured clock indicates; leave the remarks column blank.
5:07:35
